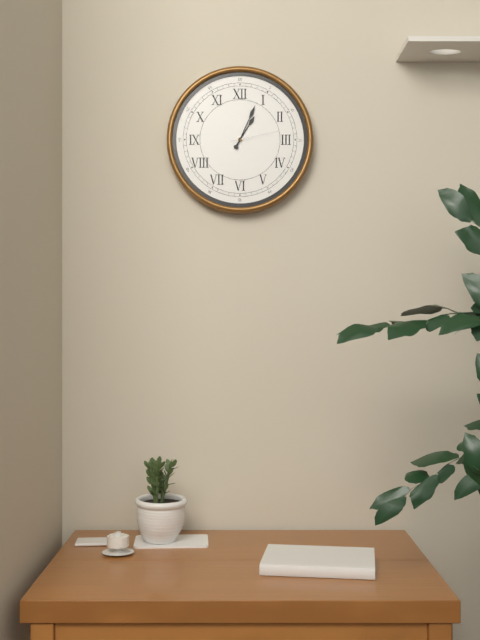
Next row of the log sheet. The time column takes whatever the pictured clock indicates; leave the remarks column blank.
1:04:13
